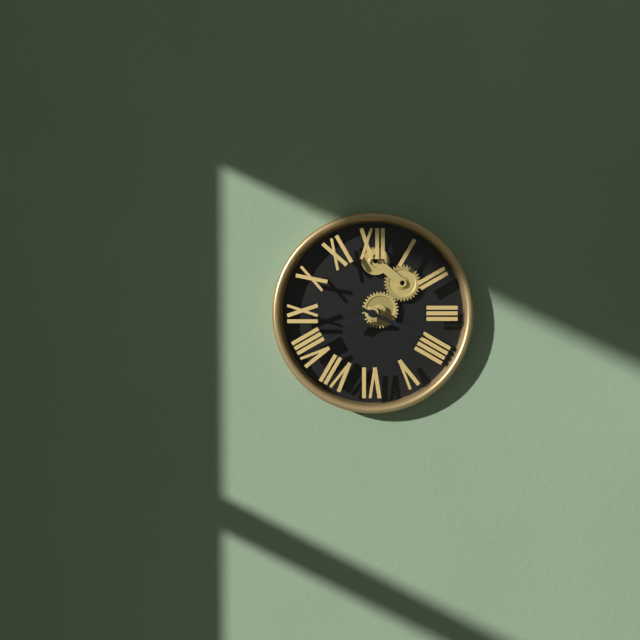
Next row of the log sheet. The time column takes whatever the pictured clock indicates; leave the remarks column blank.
8:19
